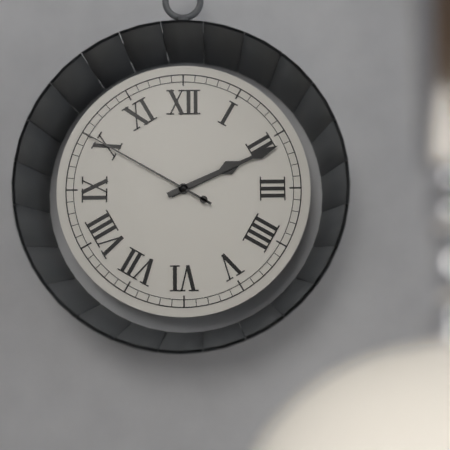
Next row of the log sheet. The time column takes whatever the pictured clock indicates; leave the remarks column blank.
2:11:50
